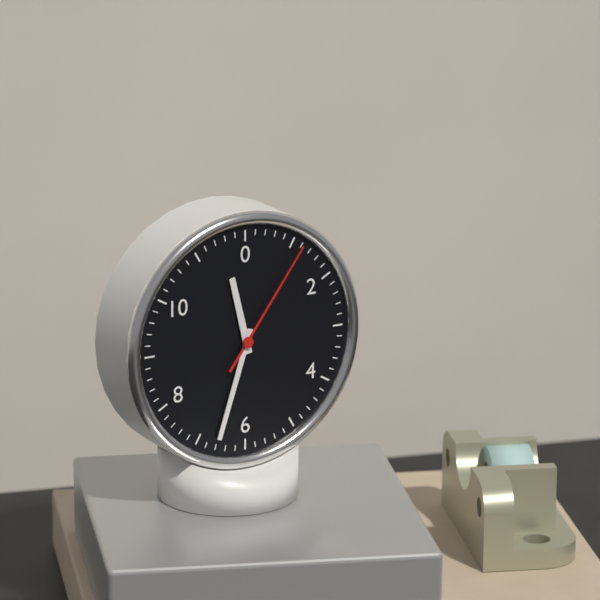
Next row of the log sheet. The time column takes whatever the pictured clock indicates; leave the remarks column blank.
11:33:06
